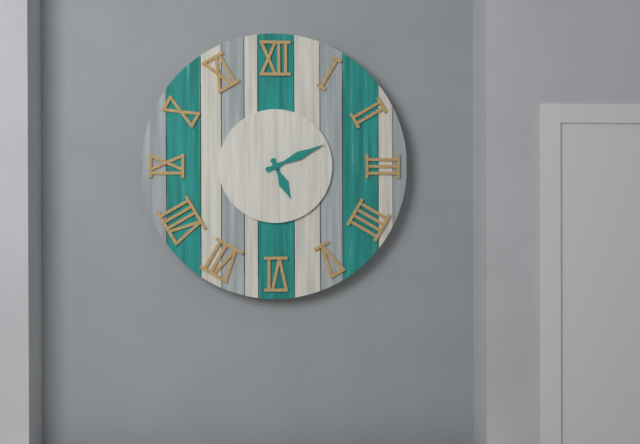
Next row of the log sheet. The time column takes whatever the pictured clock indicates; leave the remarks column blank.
5:11
